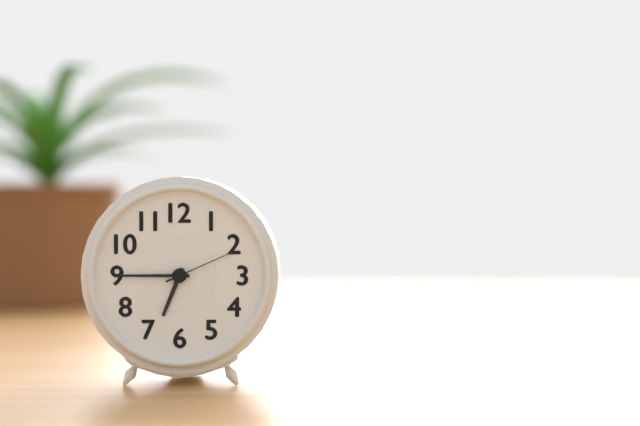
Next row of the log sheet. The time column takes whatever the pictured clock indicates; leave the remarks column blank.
6:45:11
